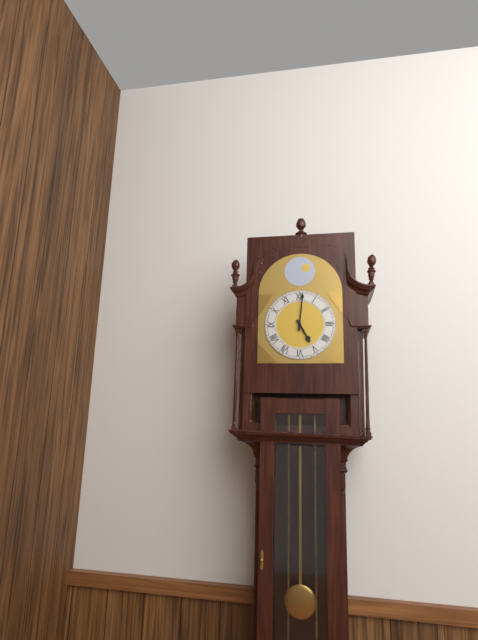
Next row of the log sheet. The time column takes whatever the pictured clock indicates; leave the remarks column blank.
5:01
